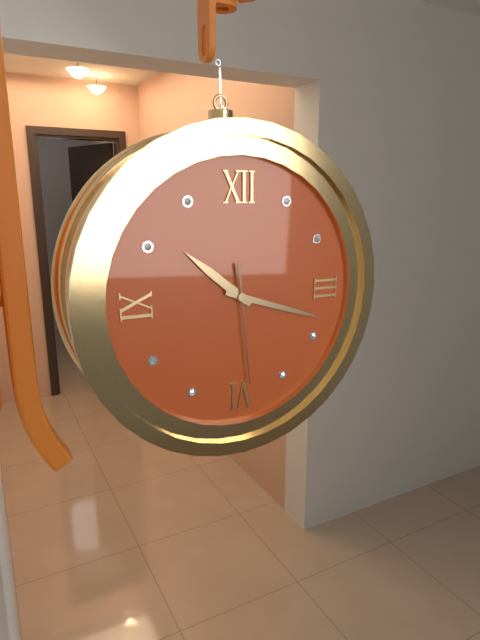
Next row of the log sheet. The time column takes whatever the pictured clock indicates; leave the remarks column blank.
10:18:29
